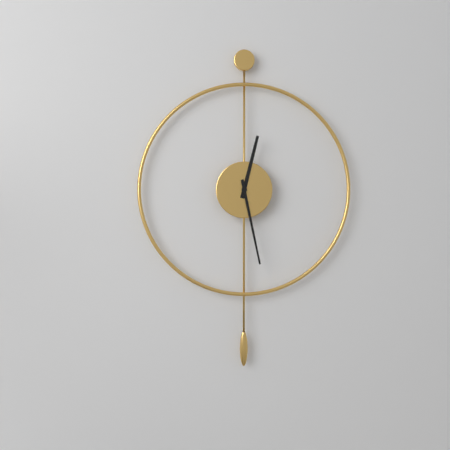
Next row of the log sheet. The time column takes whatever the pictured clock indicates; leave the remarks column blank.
12:28
